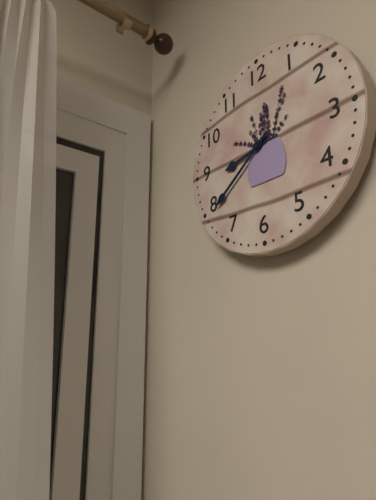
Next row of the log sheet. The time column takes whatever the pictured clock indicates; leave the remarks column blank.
8:39
